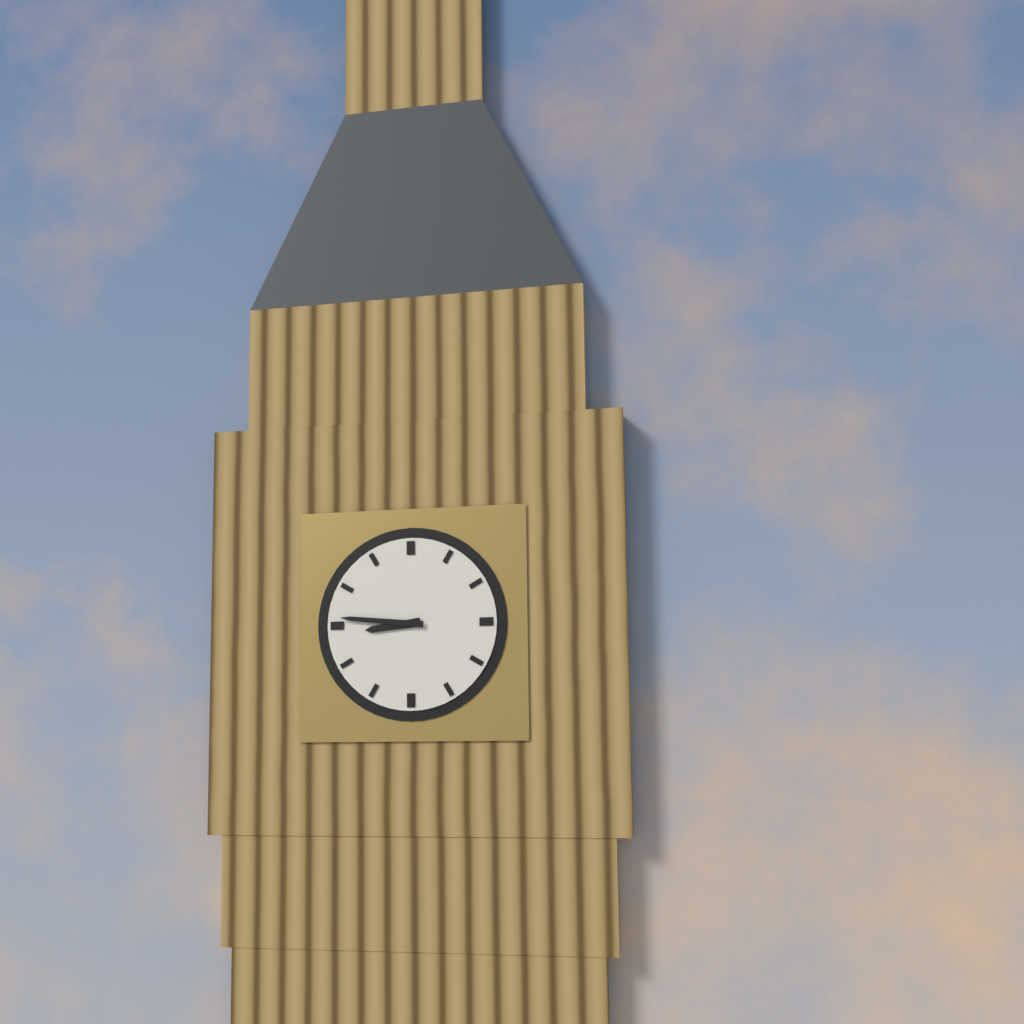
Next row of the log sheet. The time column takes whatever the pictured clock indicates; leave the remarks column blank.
8:46
